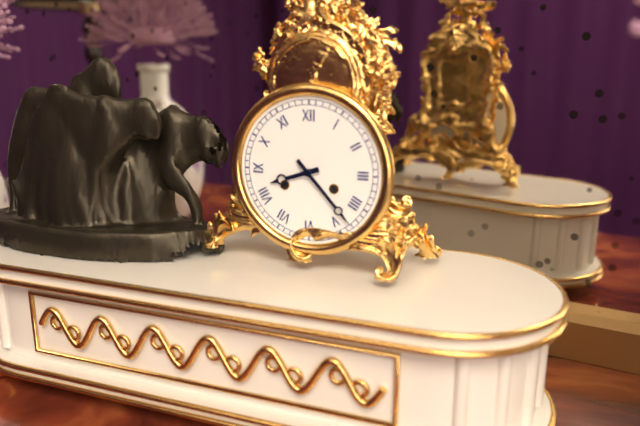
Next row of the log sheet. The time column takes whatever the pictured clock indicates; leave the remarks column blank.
8:23
